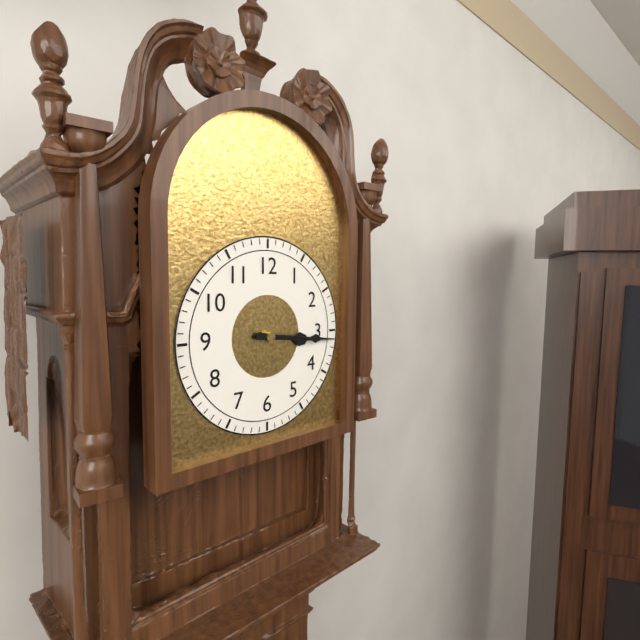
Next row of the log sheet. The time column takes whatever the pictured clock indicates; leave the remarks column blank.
3:16
